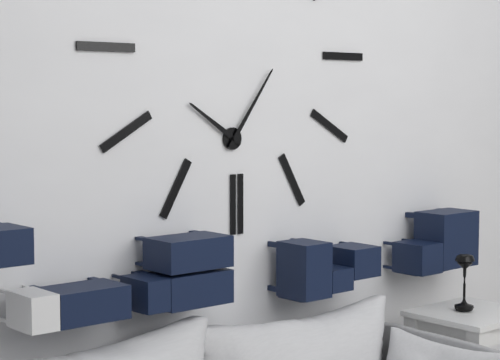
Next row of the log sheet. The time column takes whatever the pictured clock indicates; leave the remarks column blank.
10:06
